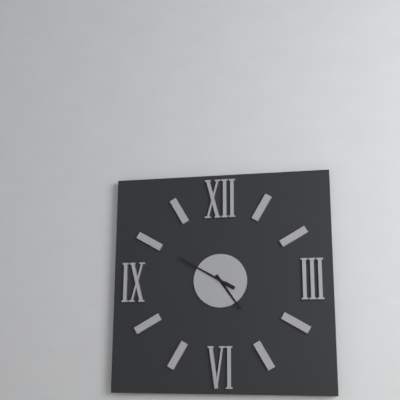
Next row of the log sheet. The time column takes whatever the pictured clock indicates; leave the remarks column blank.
4:50
